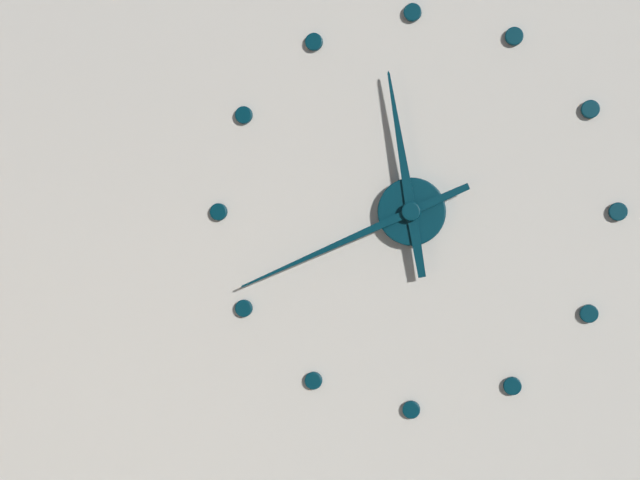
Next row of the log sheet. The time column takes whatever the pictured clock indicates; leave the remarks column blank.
11:41
